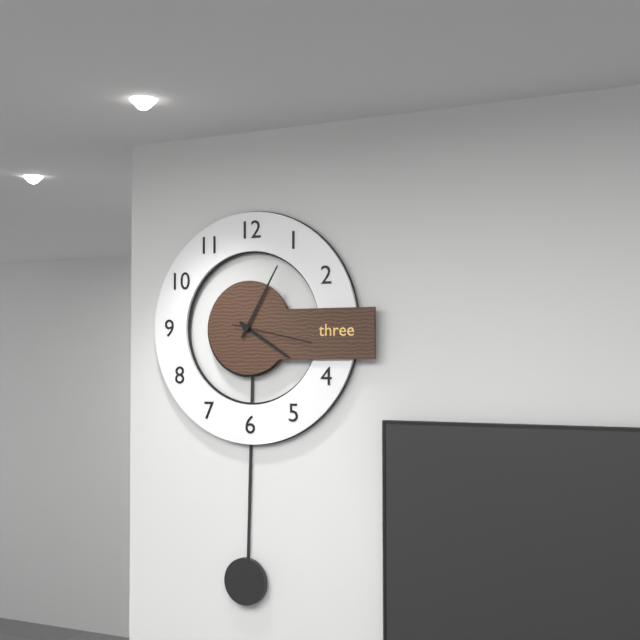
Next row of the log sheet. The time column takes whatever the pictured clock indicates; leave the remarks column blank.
4:05:17
